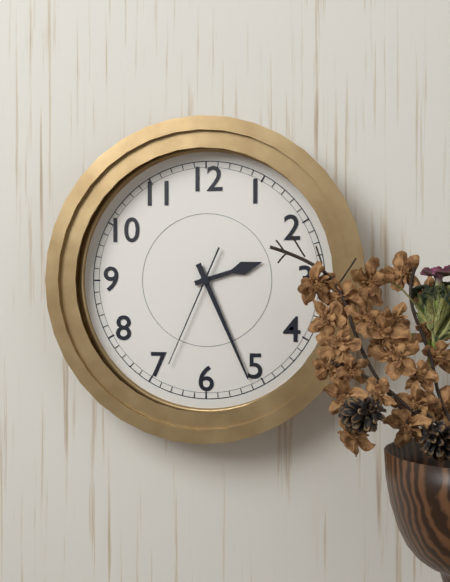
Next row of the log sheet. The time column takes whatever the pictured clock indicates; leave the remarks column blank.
2:26:34
